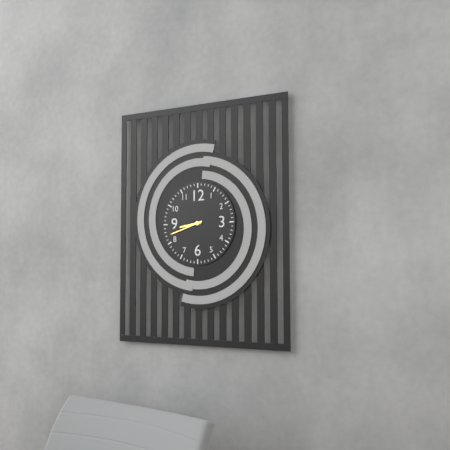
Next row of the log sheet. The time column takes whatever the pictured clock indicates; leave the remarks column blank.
8:42
